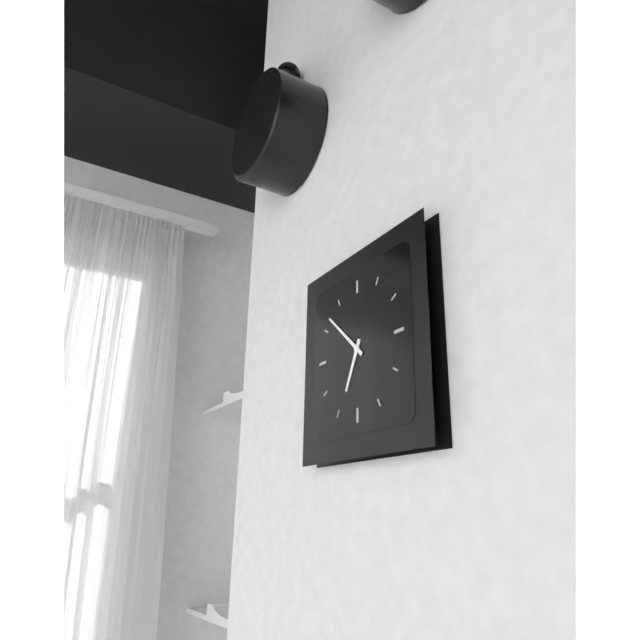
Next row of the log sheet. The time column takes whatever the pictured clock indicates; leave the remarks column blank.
6:52
